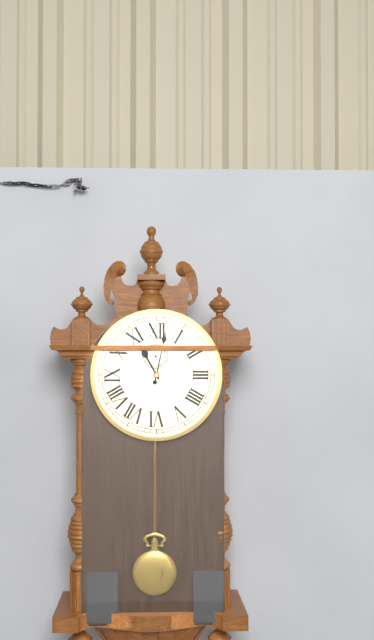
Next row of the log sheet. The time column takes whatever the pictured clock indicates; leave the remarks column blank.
11:02
